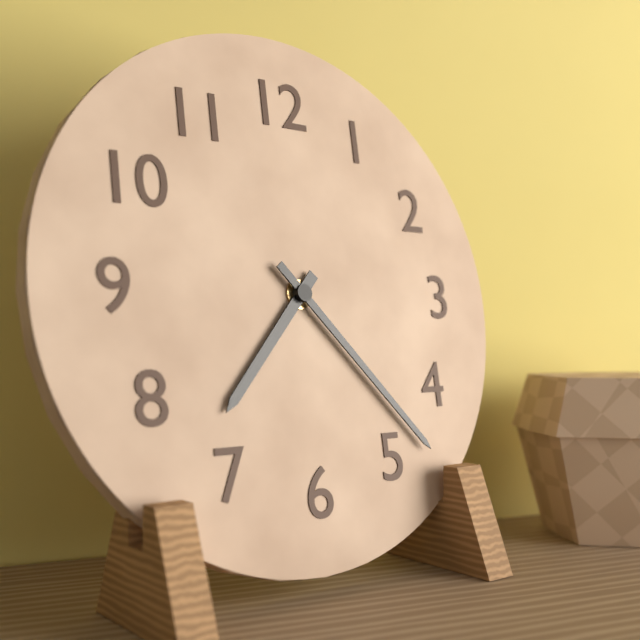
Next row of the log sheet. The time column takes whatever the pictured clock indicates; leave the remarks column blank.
7:23
